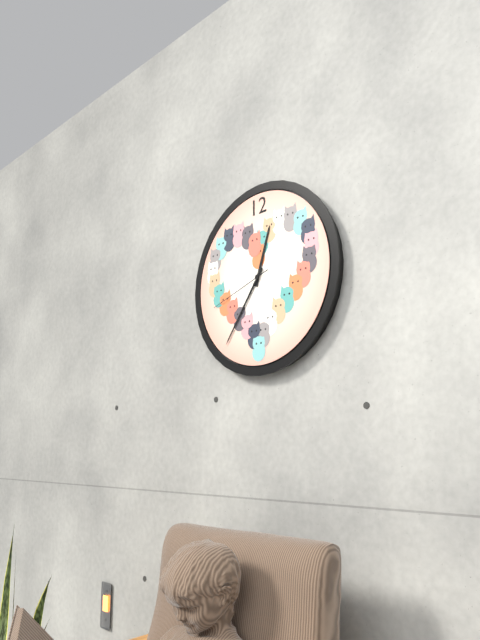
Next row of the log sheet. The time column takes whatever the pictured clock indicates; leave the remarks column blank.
12:36:42
